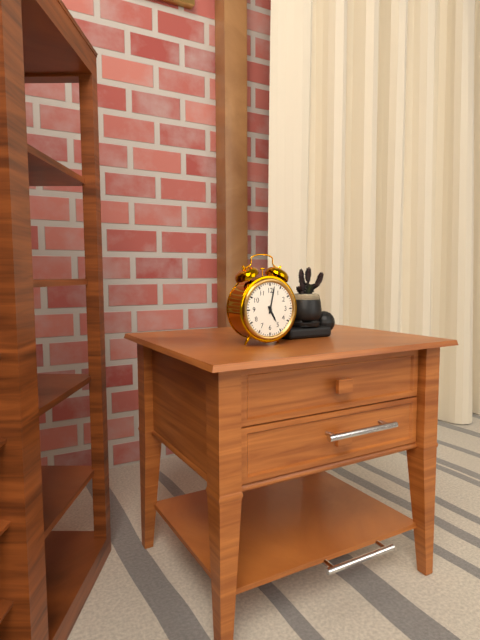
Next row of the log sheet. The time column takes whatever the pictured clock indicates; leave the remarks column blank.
5:02
